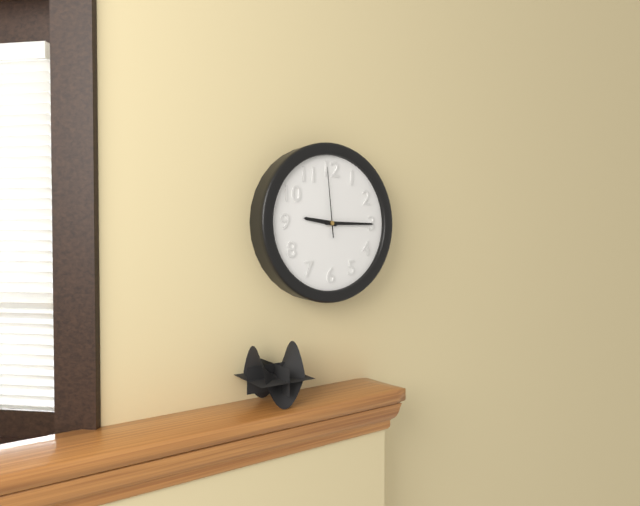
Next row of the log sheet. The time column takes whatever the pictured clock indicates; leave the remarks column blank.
9:15:59
